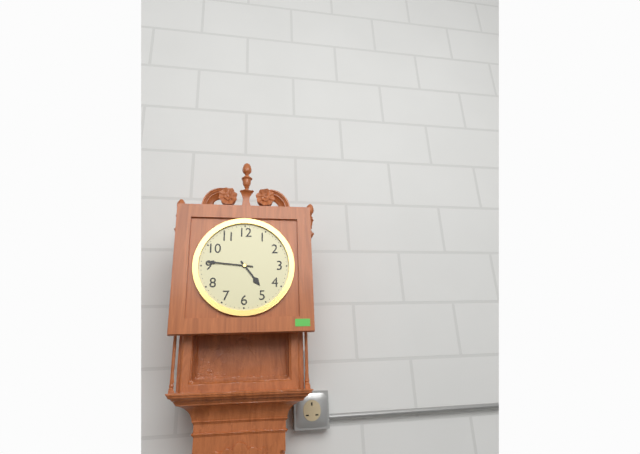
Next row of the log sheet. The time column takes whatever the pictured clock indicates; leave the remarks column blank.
4:46
